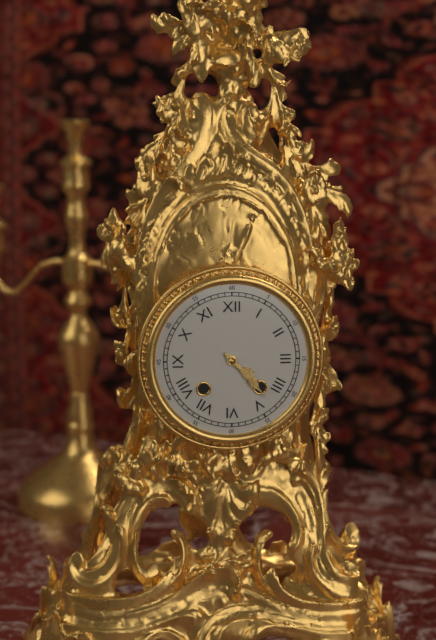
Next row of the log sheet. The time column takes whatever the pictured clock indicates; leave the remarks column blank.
4:23
